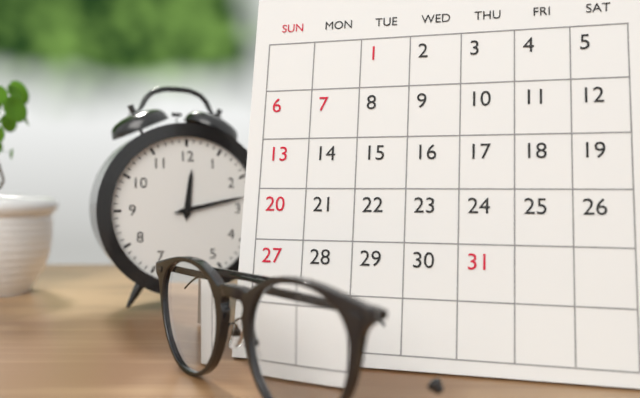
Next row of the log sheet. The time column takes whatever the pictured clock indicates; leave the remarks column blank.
12:13
